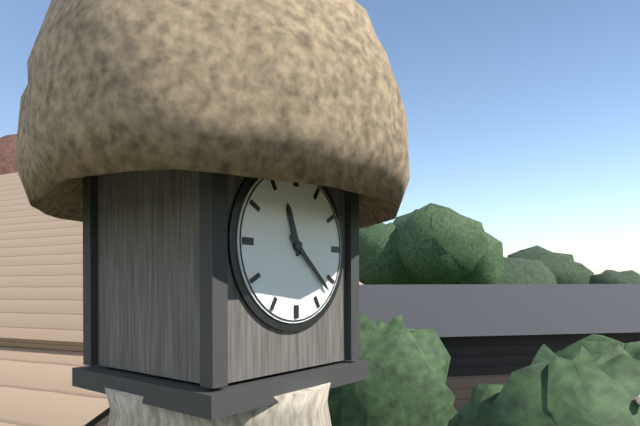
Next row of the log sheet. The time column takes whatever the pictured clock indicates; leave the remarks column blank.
11:22
